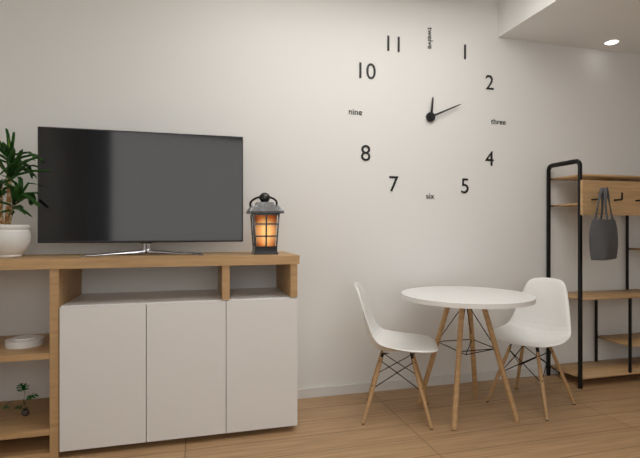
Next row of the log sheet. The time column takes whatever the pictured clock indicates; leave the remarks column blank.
12:11
